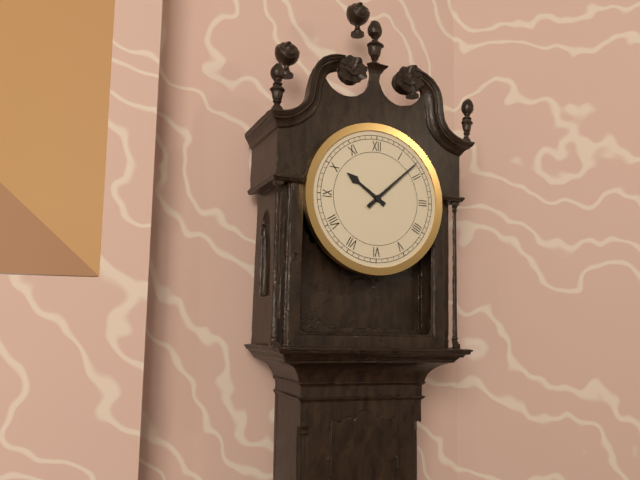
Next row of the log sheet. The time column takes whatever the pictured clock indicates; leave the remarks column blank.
10:08
